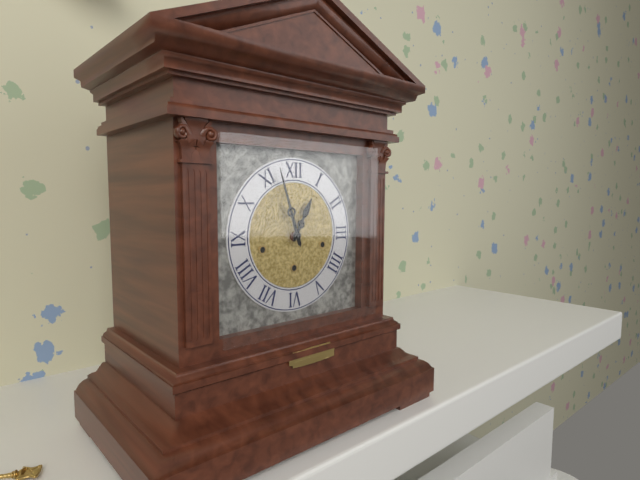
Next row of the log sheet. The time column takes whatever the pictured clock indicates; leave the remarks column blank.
12:57
